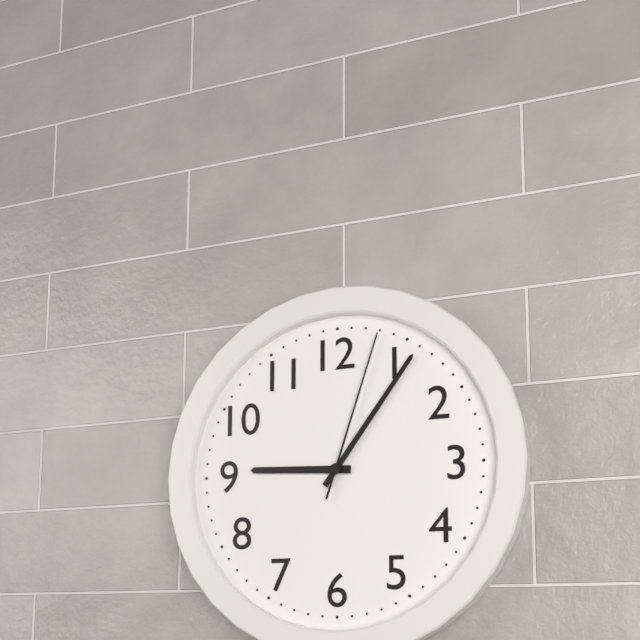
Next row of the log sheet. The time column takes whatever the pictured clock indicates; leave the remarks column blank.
9:06:03
